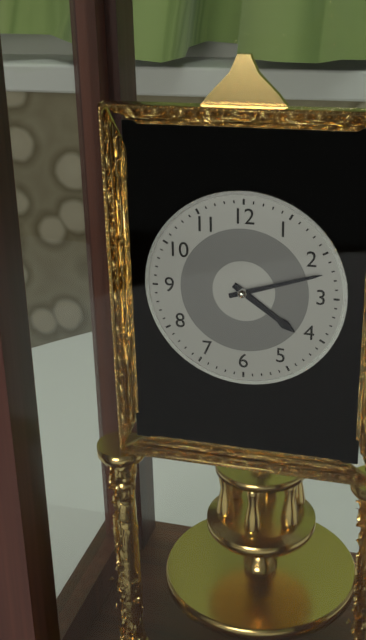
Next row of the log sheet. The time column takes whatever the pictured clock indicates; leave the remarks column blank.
4:12
